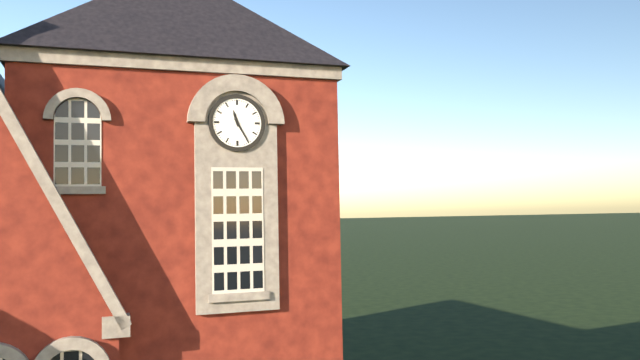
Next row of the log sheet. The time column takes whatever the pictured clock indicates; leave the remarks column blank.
11:25
